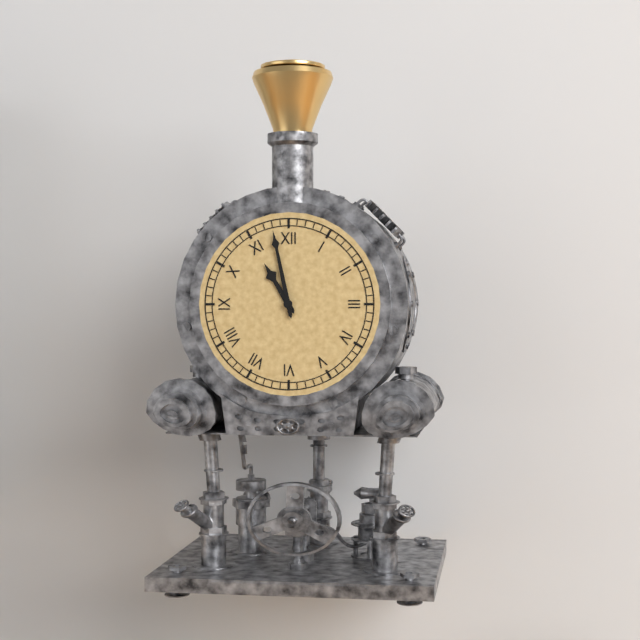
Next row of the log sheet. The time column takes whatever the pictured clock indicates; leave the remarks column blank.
10:58
